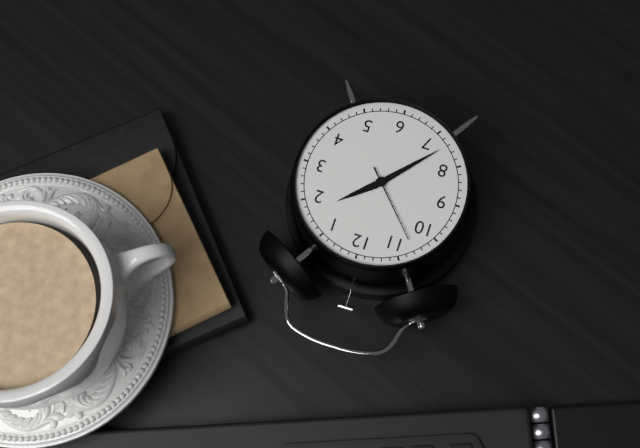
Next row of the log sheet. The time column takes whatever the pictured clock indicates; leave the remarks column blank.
1:37:53
